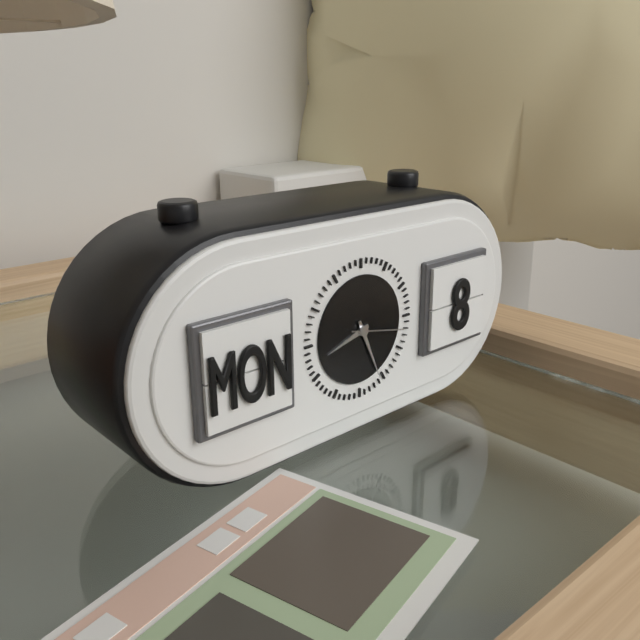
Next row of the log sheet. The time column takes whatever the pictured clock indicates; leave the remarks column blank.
8:26:17
